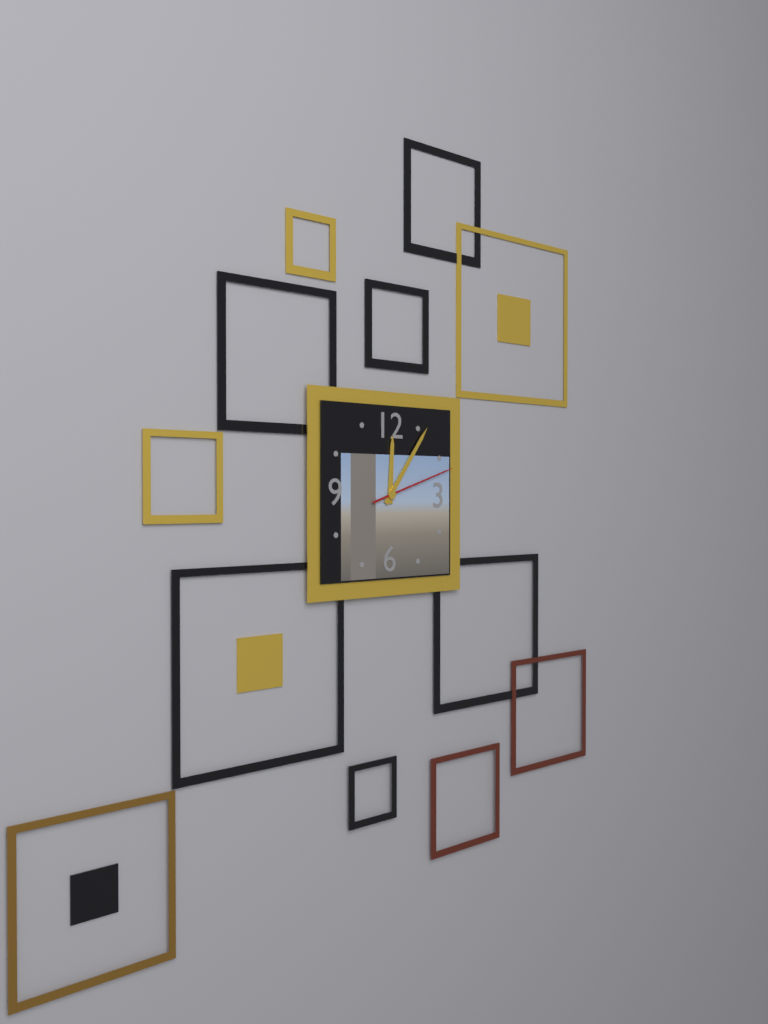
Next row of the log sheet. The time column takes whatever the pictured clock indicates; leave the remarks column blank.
12:06:12
